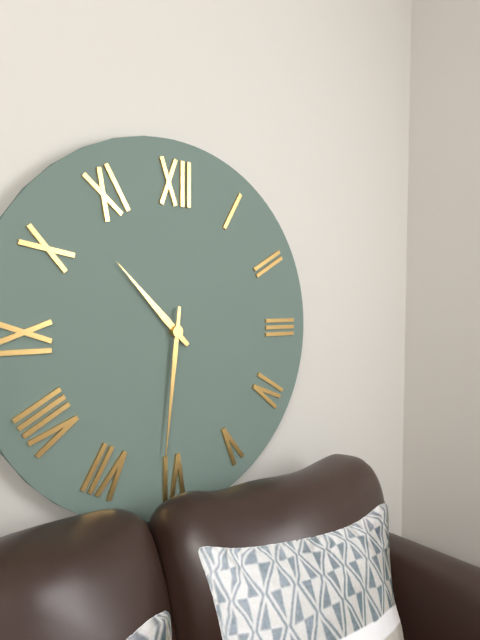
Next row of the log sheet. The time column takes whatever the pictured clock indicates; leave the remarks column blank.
10:31
